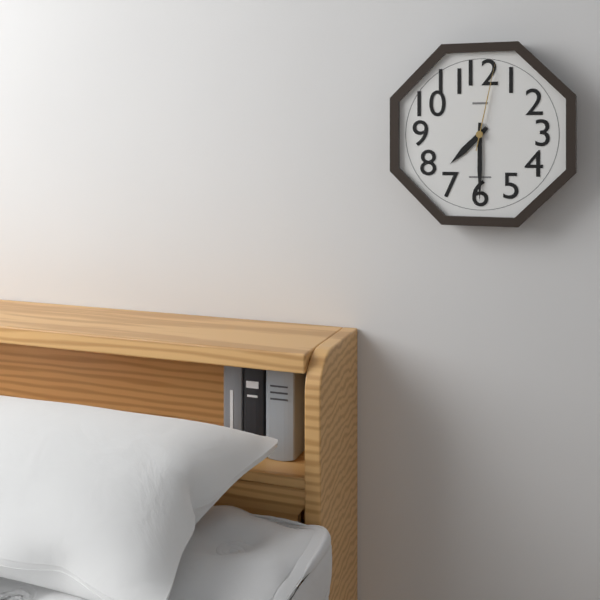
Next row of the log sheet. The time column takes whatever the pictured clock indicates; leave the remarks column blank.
7:30:02
